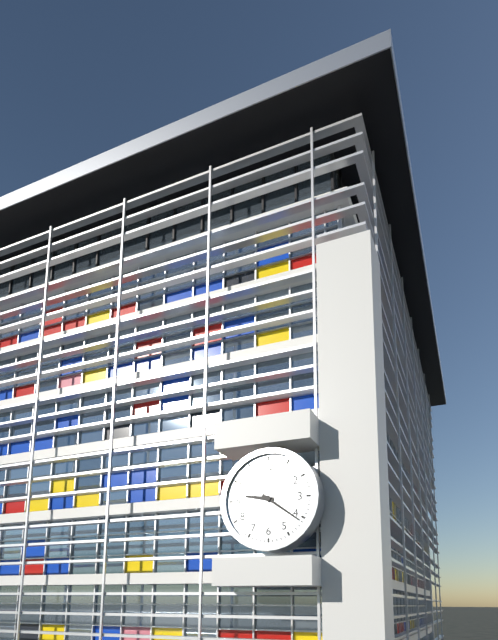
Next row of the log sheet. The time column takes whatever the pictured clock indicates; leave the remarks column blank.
9:21
